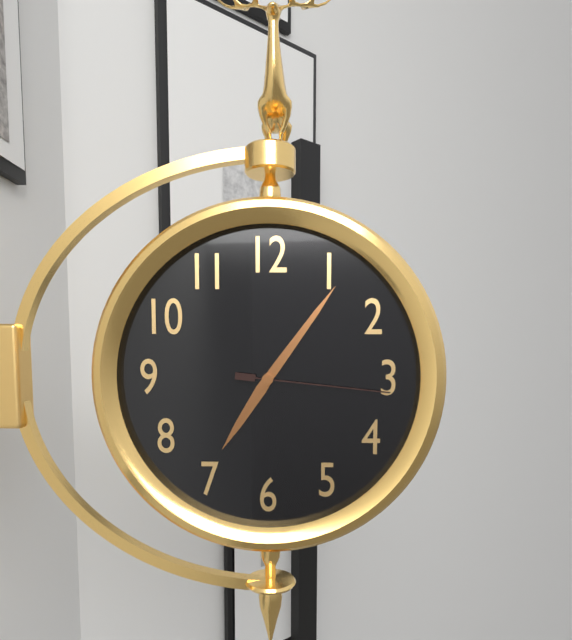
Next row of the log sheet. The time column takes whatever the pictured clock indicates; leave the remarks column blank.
7:06:16
